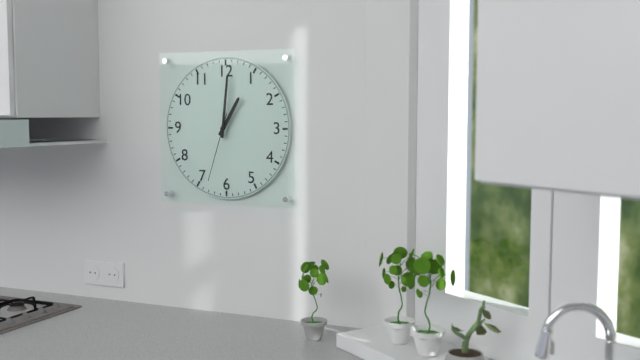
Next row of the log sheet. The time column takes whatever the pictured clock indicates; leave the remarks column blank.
1:01:33
